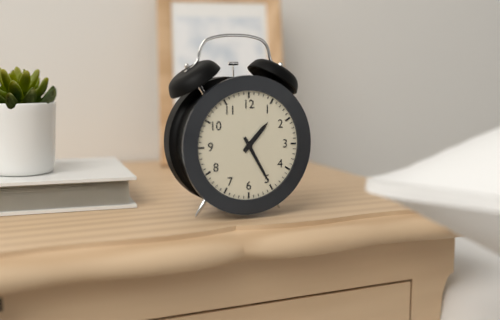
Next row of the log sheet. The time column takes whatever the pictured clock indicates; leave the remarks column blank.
1:25
